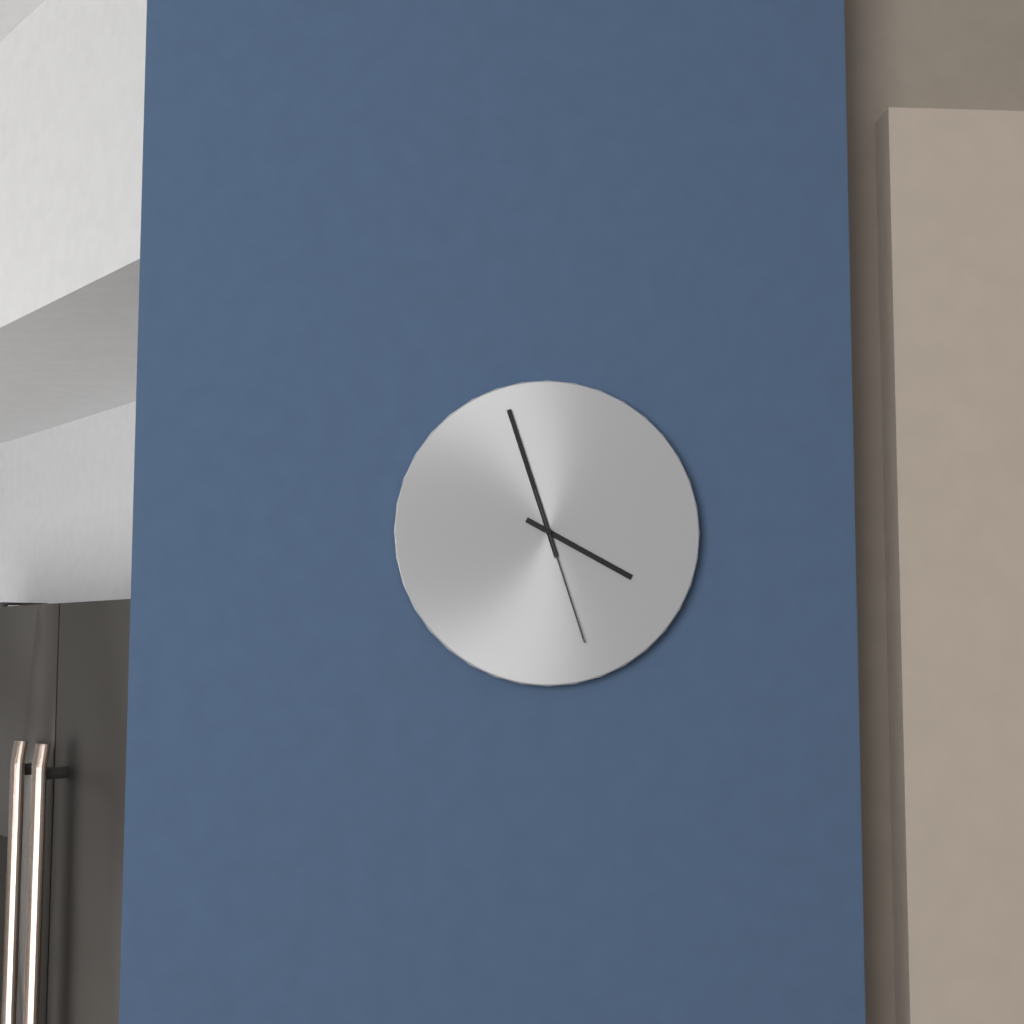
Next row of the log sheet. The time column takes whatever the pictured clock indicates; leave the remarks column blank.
3:57:27
